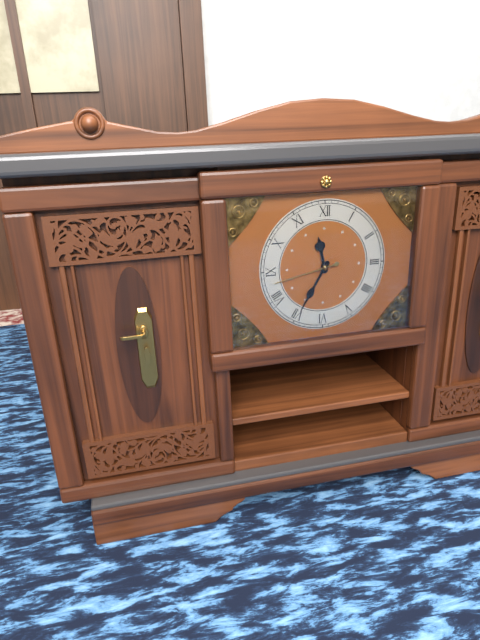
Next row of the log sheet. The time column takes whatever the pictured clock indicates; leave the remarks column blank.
11:35:43
